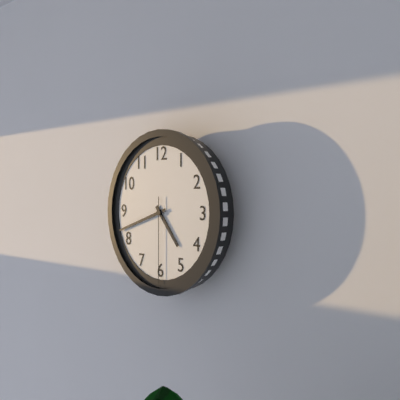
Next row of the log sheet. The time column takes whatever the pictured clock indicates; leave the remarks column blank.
4:42:30
